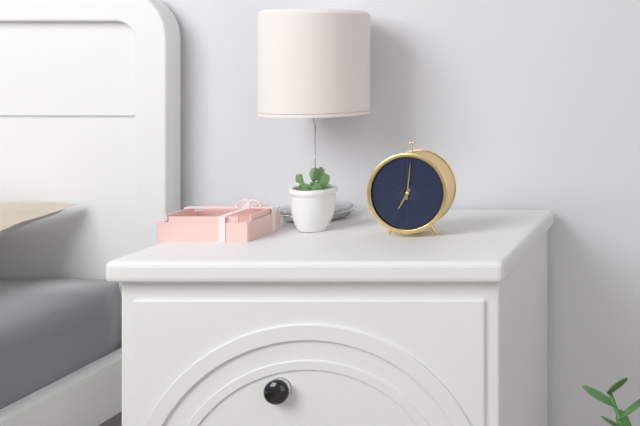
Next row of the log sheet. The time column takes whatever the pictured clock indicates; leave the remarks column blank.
7:01
